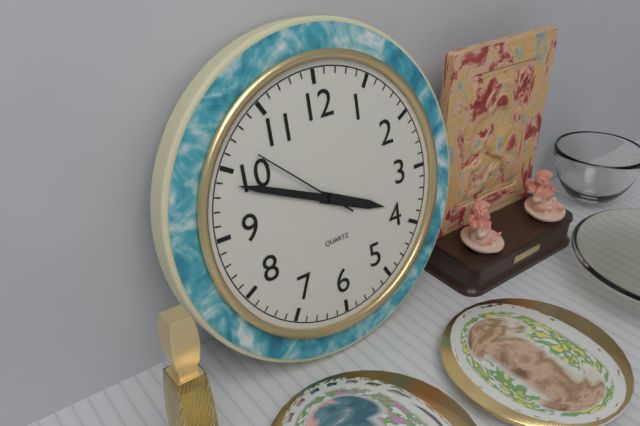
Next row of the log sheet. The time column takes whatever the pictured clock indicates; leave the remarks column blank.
3:49:52
